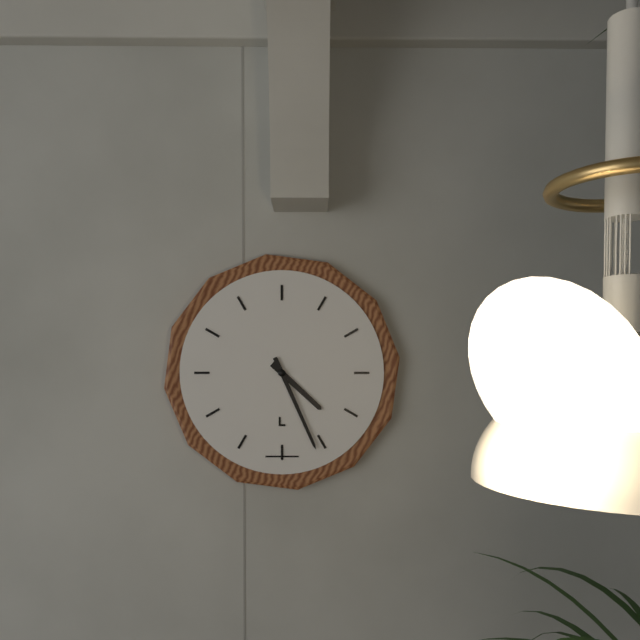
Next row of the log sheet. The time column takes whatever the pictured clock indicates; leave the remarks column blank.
4:26
